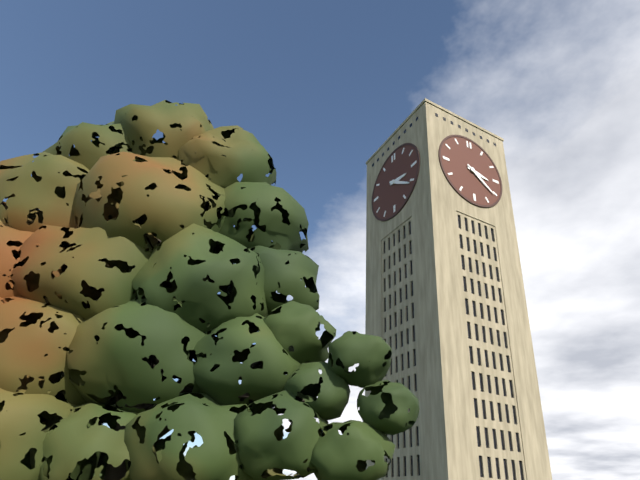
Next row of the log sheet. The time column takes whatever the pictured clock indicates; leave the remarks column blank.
3:21
